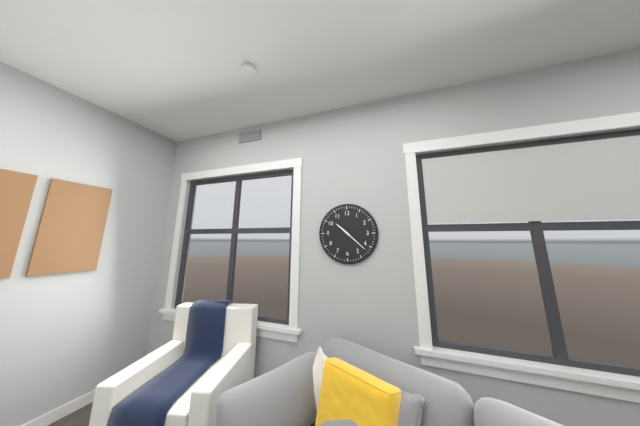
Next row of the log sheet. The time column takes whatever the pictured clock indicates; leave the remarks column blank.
10:22
